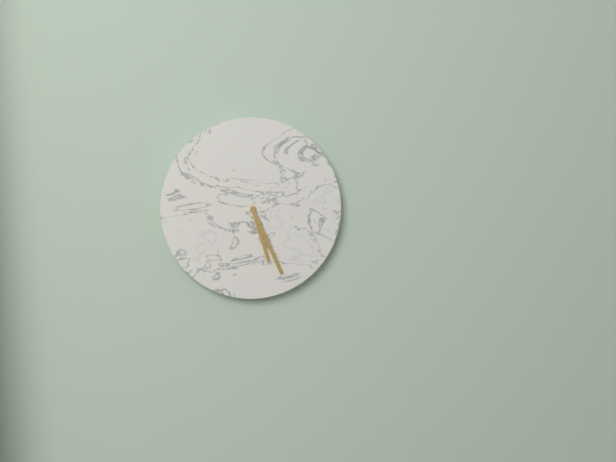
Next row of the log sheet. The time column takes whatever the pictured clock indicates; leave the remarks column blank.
5:26
